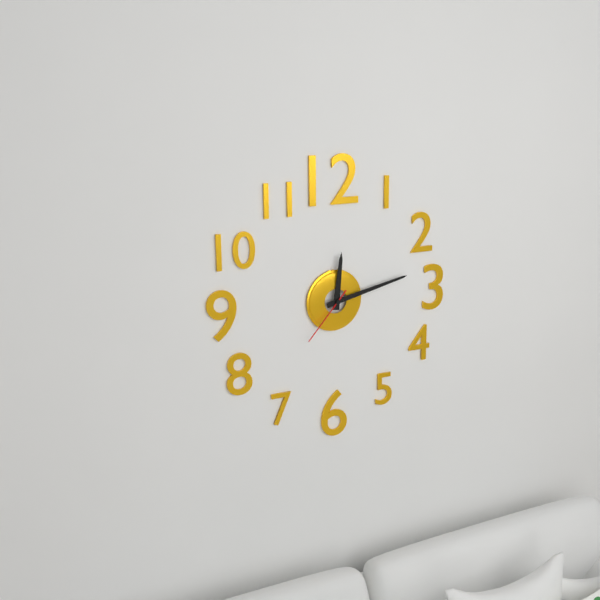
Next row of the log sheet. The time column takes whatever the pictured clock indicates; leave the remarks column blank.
12:13:37
